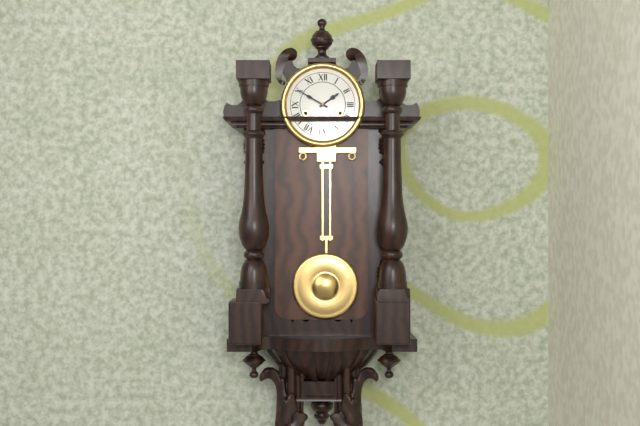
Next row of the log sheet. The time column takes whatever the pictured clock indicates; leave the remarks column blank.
1:50
